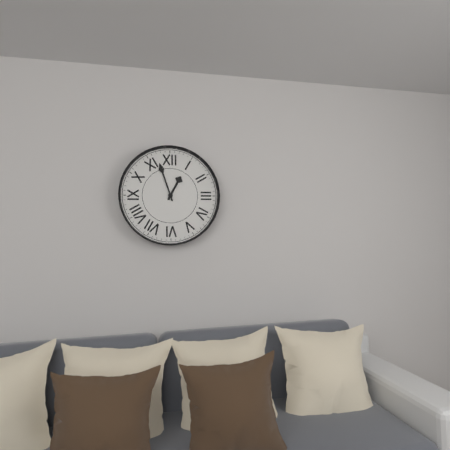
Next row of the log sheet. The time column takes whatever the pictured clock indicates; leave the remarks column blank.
12:57
